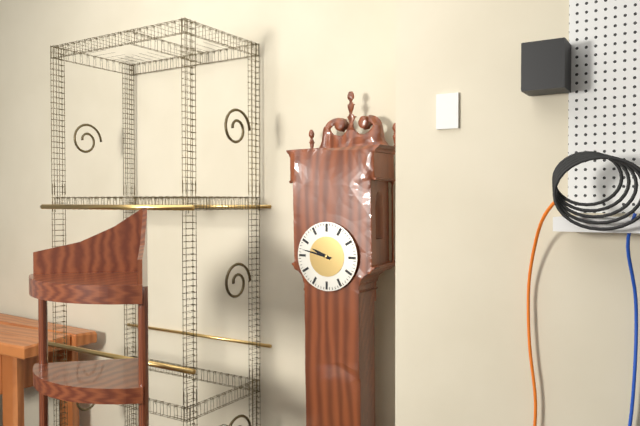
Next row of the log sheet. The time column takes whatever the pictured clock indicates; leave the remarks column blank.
9:47
